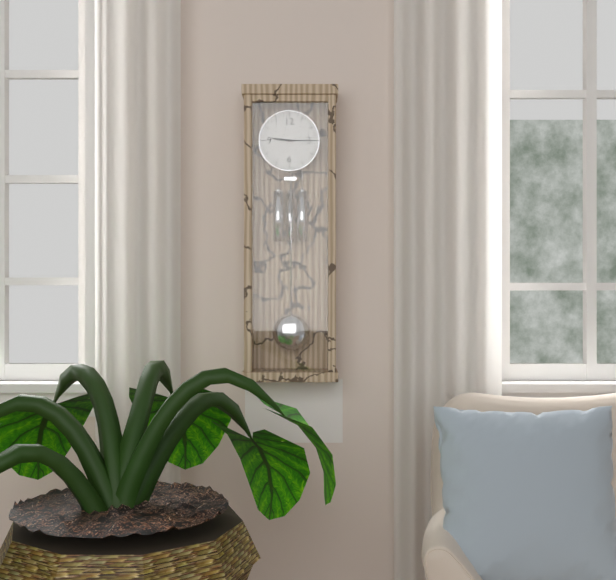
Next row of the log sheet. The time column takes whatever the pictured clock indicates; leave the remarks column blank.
9:15
